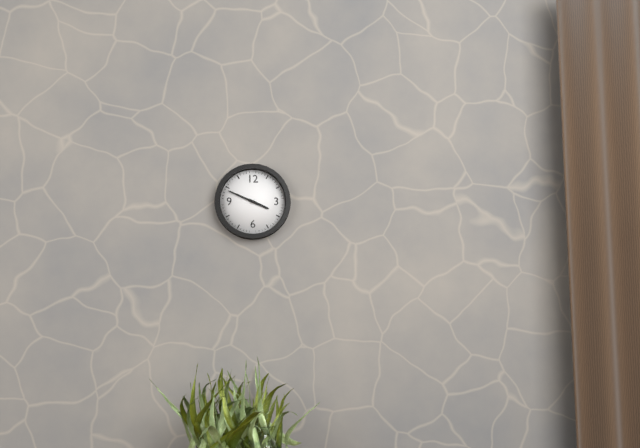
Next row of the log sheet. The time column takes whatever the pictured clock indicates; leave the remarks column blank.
3:49
